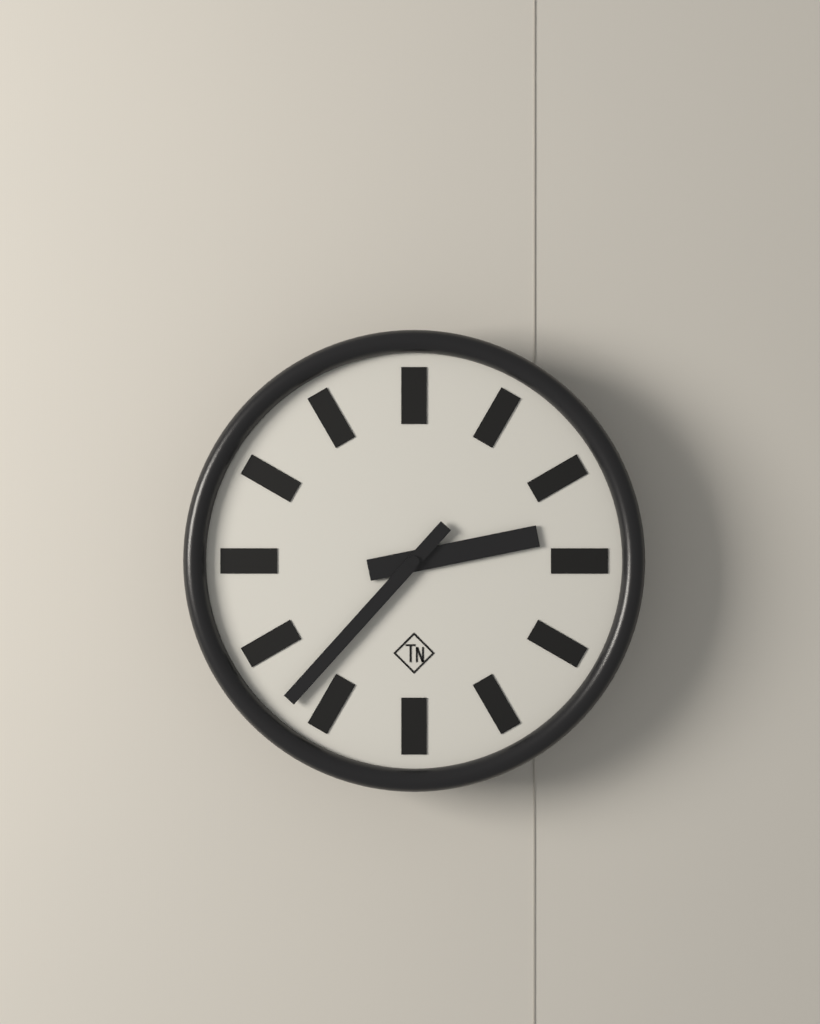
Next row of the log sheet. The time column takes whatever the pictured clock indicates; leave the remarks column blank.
2:37
